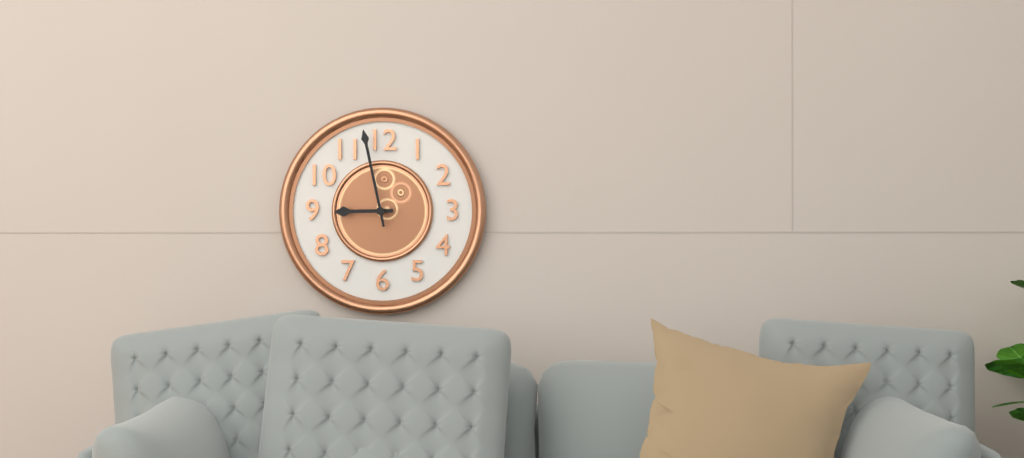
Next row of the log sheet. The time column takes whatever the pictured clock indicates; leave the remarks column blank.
8:58
